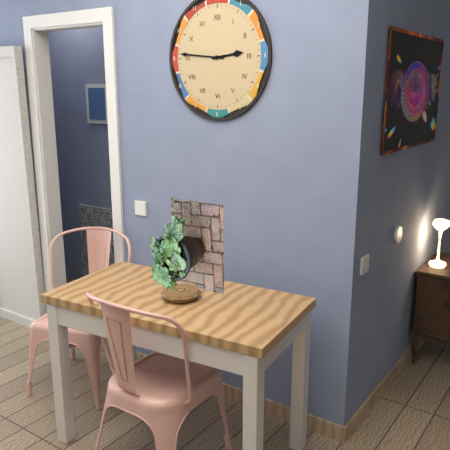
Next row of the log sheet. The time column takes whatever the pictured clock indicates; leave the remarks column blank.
2:46
